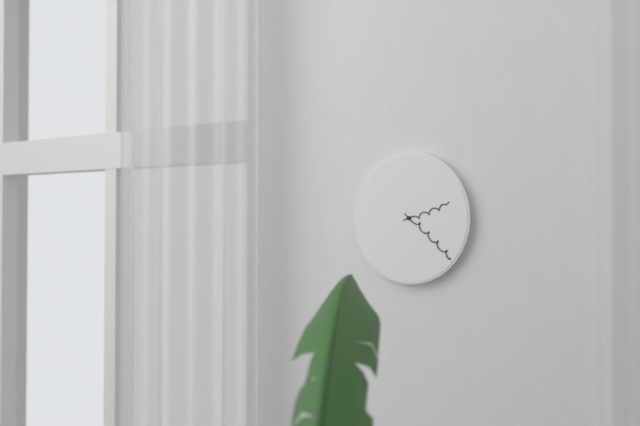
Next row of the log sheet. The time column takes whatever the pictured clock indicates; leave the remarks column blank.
2:22
